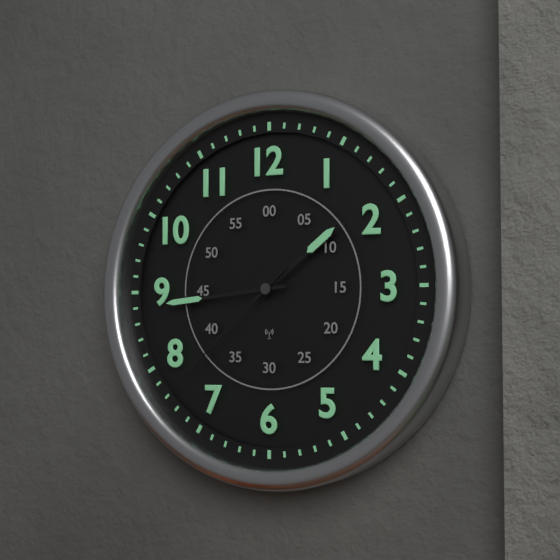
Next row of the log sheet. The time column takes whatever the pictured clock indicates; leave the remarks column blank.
1:44:38
